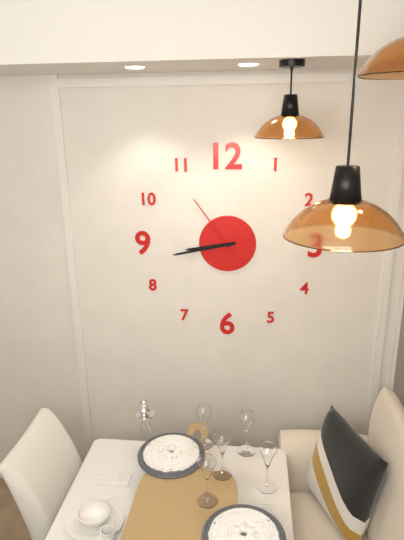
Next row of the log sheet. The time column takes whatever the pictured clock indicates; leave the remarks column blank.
8:43:54
